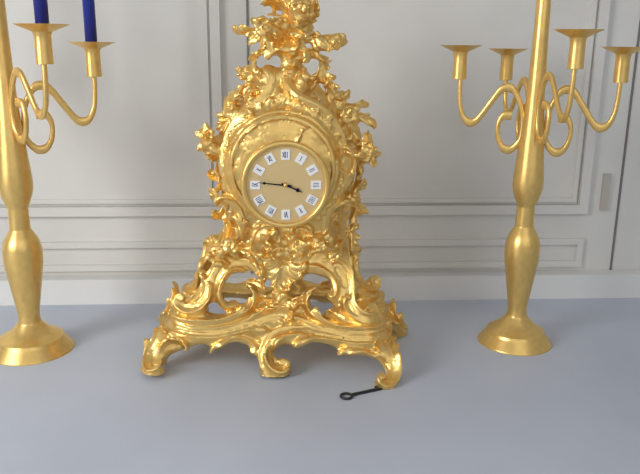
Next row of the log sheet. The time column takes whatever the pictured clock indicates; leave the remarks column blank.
3:46
